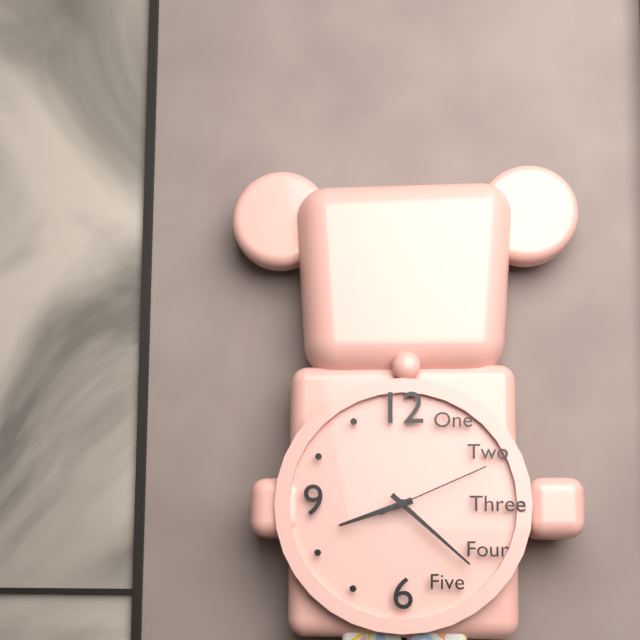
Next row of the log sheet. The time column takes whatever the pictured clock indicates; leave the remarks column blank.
8:22:11
